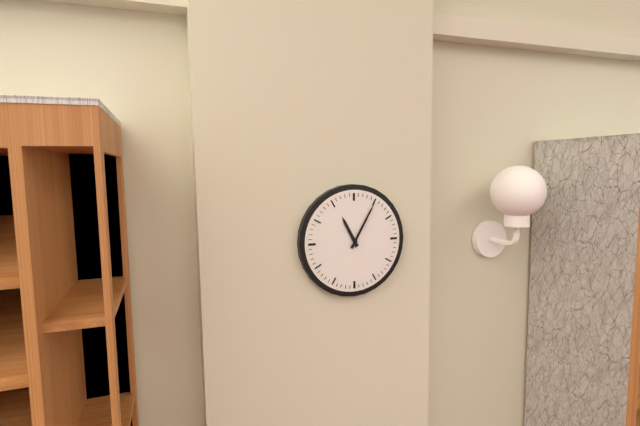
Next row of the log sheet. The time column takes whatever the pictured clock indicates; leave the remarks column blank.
11:05
